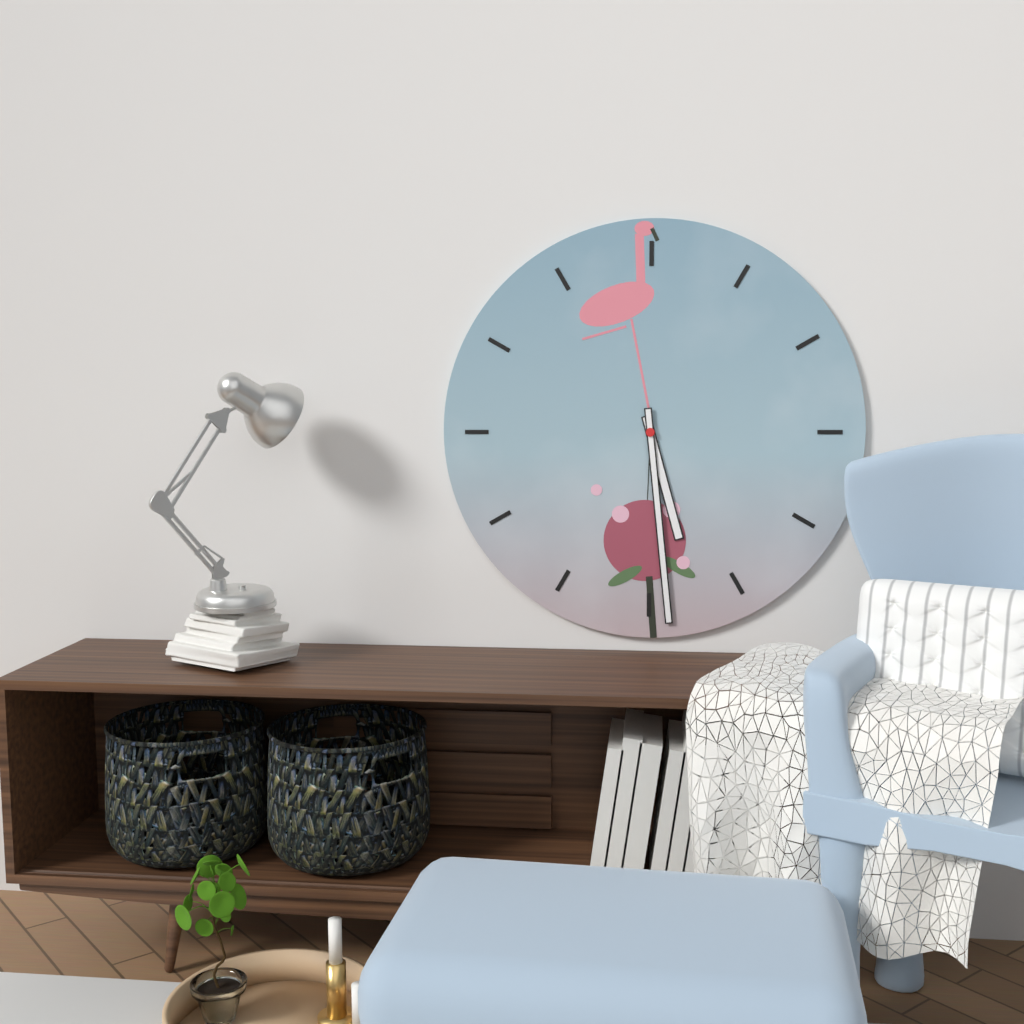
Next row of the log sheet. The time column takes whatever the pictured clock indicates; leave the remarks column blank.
5:29
